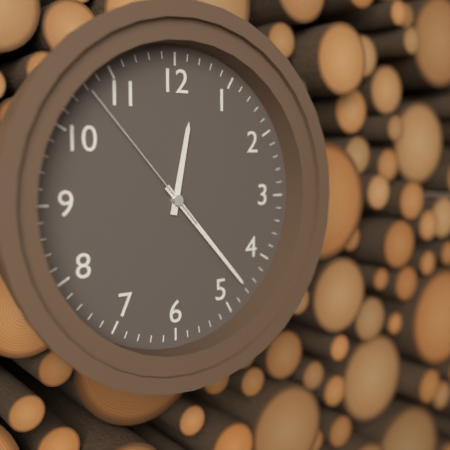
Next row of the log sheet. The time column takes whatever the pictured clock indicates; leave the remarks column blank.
12:23:53
